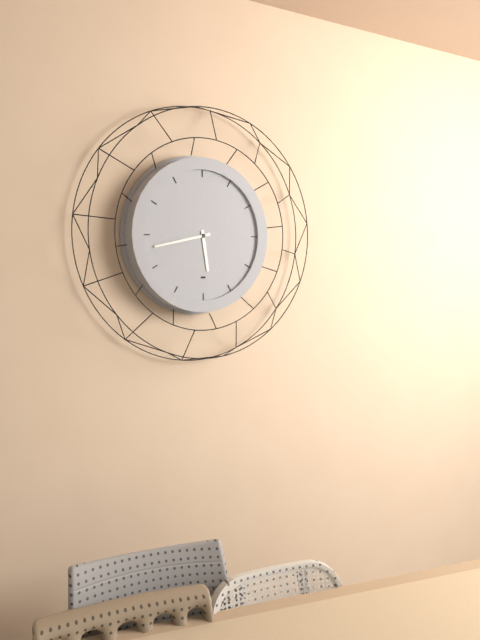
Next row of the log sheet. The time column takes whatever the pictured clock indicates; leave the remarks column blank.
5:43
